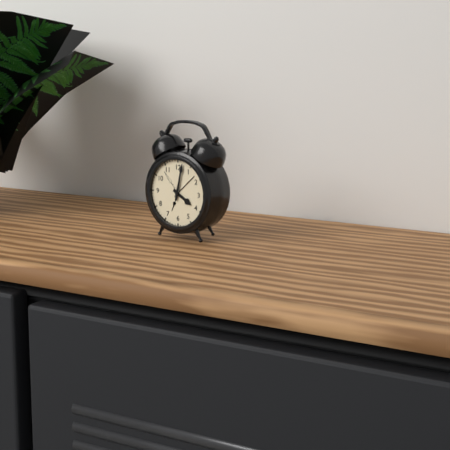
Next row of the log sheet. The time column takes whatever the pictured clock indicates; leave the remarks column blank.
4:02
